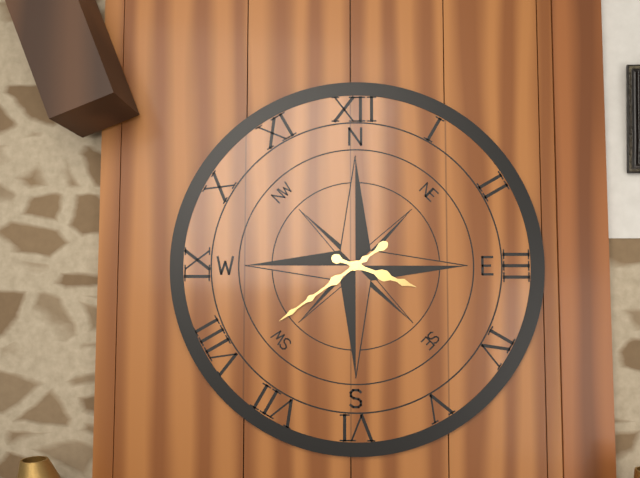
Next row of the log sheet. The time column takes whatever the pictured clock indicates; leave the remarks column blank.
3:39
